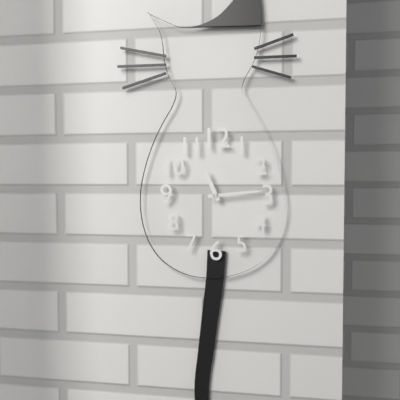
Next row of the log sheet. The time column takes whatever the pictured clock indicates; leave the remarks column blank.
11:14
